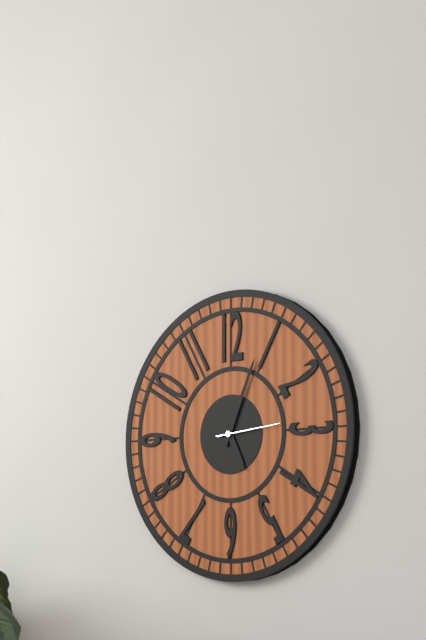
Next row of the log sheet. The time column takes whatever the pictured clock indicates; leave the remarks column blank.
5:04:14
